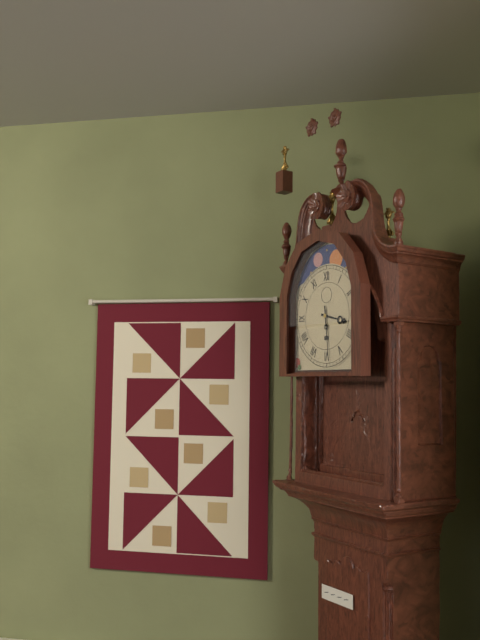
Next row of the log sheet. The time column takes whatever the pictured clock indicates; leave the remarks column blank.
3:29
